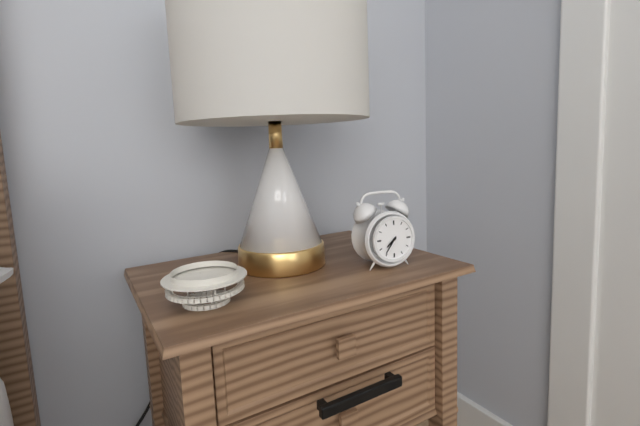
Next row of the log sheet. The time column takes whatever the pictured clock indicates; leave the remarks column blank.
7:36
